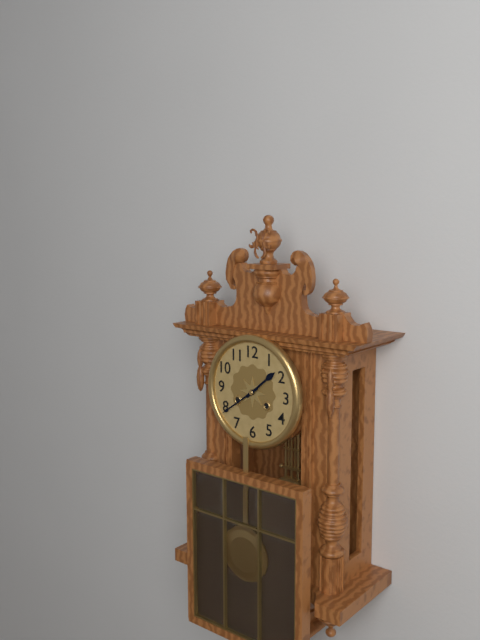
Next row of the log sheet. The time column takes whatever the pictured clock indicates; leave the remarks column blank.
1:39
